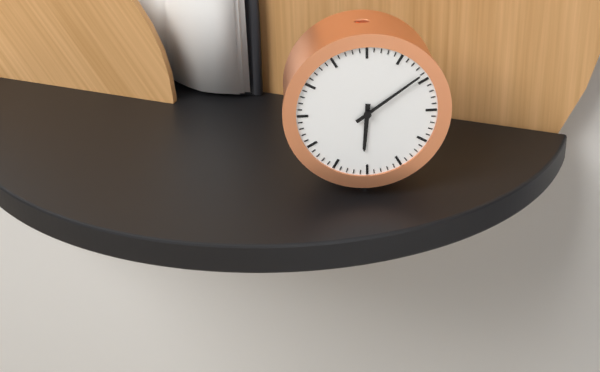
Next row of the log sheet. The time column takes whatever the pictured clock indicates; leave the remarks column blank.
6:09
